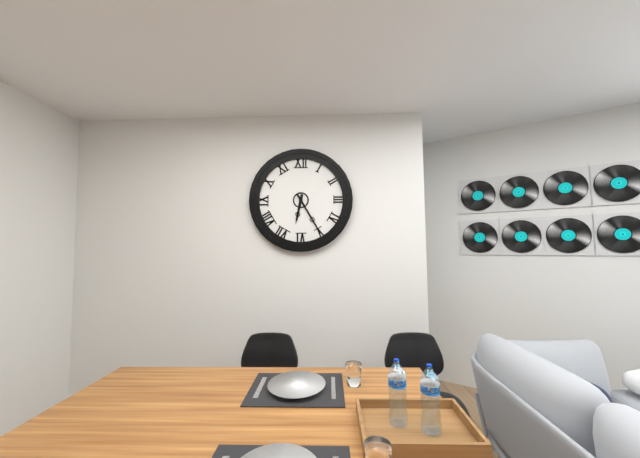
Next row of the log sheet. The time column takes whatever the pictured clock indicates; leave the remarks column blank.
6:25
